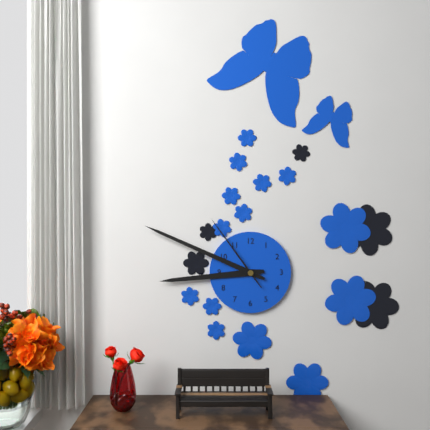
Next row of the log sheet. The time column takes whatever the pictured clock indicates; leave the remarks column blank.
8:49:54
